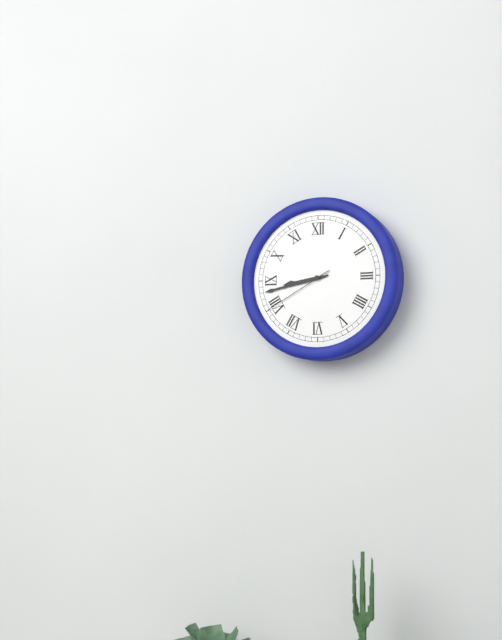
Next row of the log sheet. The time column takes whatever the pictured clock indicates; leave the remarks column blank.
8:43:40
